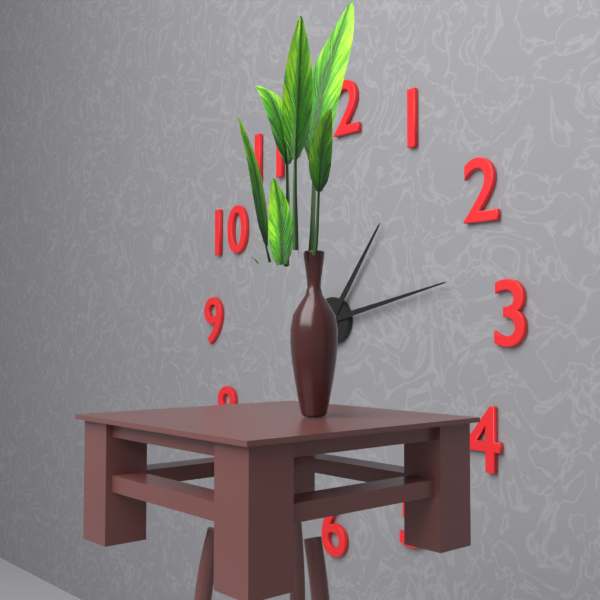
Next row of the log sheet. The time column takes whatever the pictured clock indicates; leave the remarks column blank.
1:13
